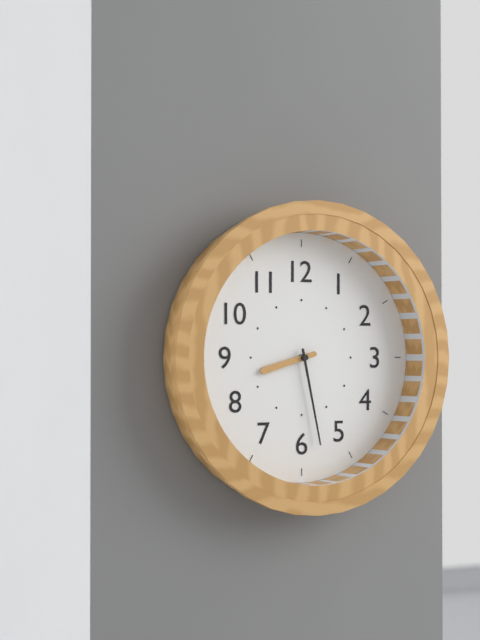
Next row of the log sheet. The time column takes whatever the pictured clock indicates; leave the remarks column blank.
8:28
